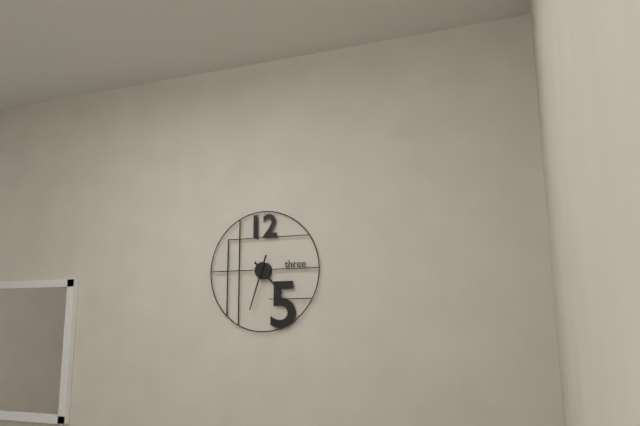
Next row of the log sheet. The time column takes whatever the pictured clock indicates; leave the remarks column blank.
4:33
